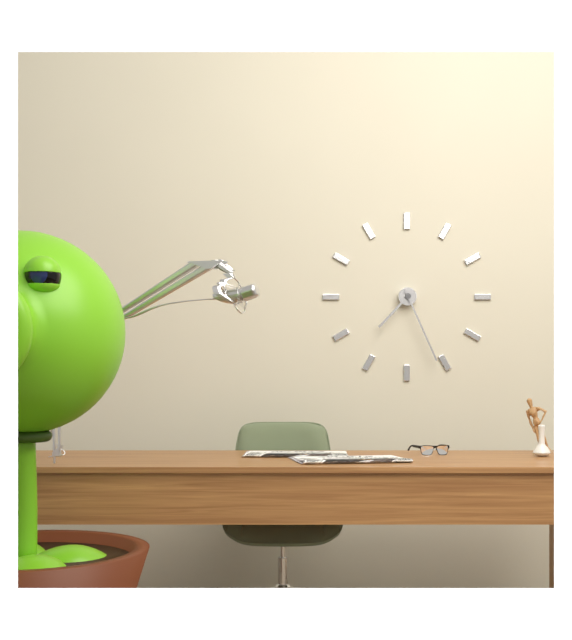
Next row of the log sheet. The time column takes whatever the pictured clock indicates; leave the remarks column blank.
7:26
